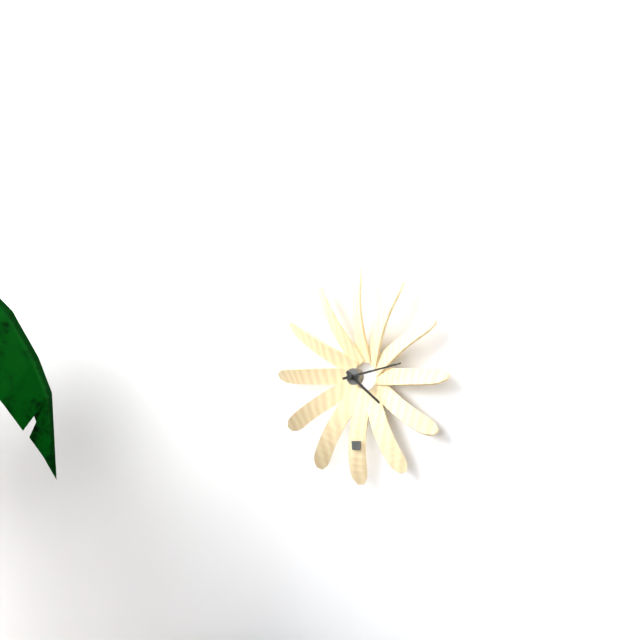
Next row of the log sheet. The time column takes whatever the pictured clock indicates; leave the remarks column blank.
4:13
